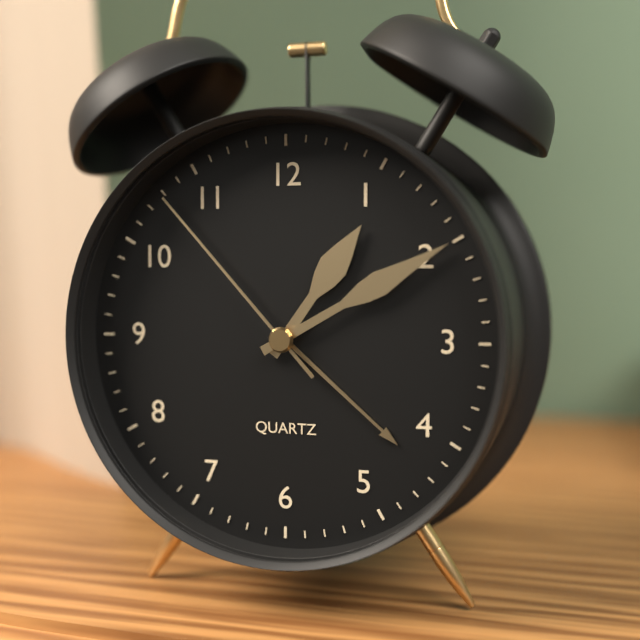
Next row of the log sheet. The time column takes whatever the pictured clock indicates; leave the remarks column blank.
1:10:53
